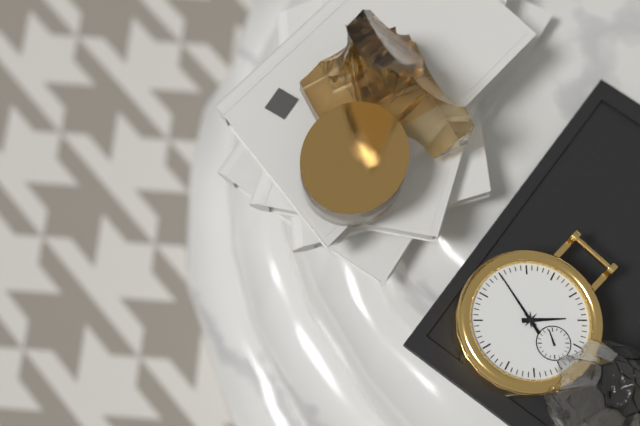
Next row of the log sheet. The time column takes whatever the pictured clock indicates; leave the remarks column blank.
2:55
